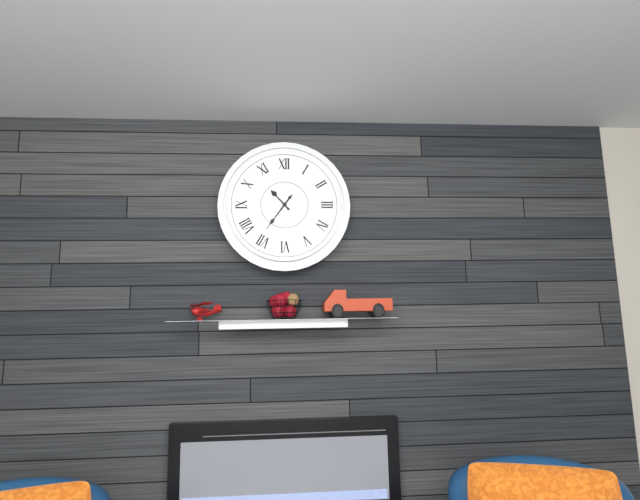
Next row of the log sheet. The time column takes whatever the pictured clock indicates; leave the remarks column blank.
10:36
